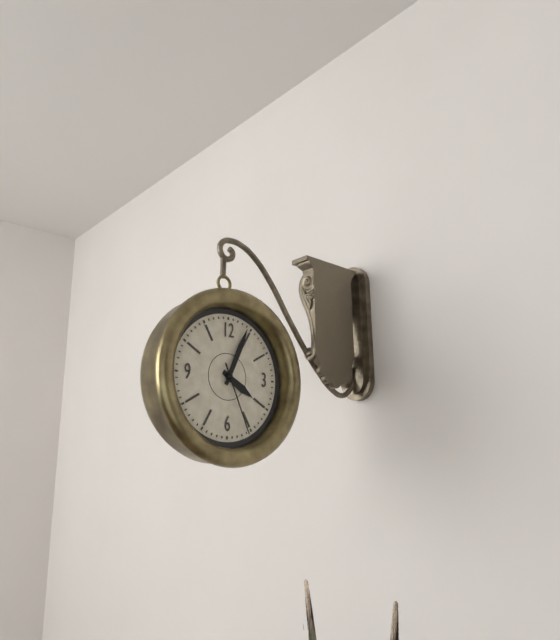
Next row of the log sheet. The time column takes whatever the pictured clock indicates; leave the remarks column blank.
4:04:26
